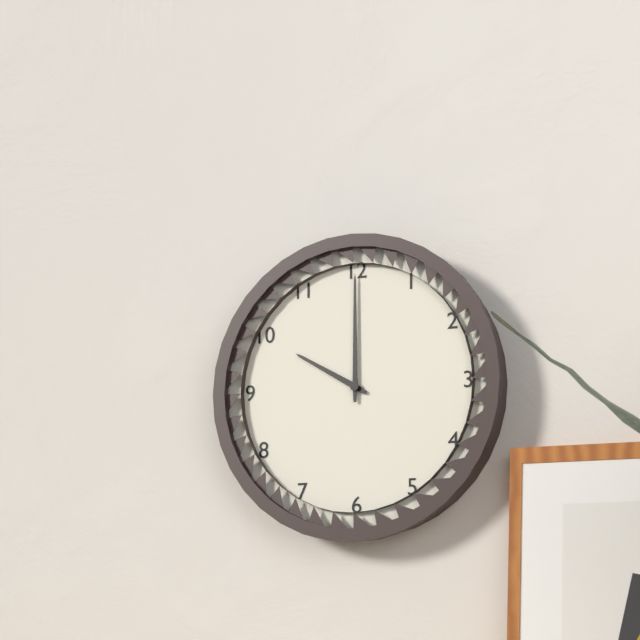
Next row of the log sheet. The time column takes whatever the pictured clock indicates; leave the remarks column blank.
10:00
